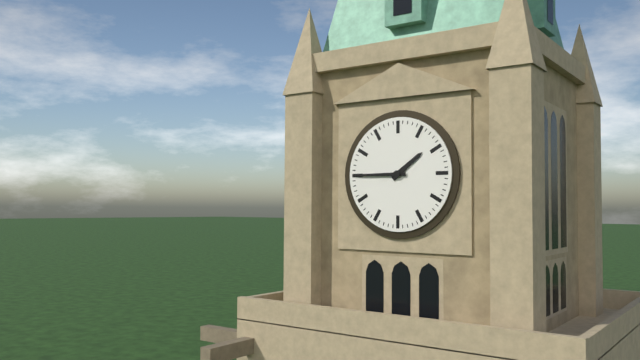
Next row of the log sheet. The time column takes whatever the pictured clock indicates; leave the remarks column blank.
1:45
